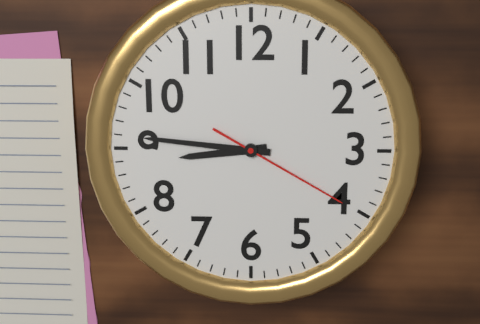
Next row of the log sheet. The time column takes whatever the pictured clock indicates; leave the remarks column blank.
8:46:20
